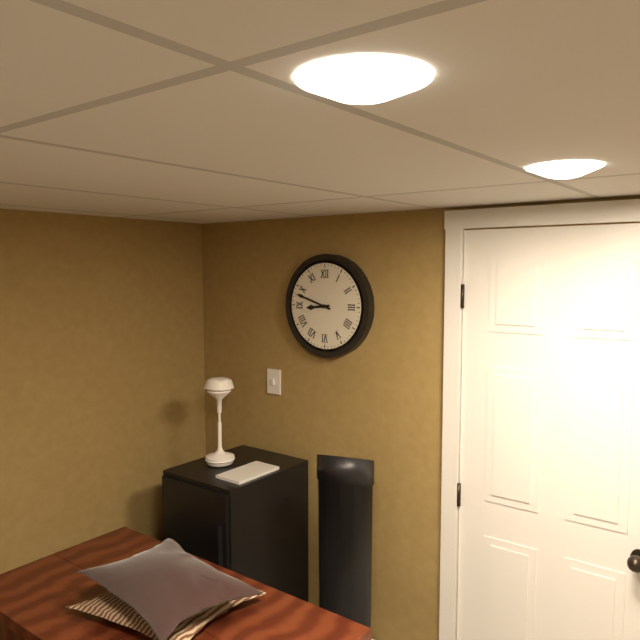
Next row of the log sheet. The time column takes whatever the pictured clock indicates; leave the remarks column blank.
8:48
